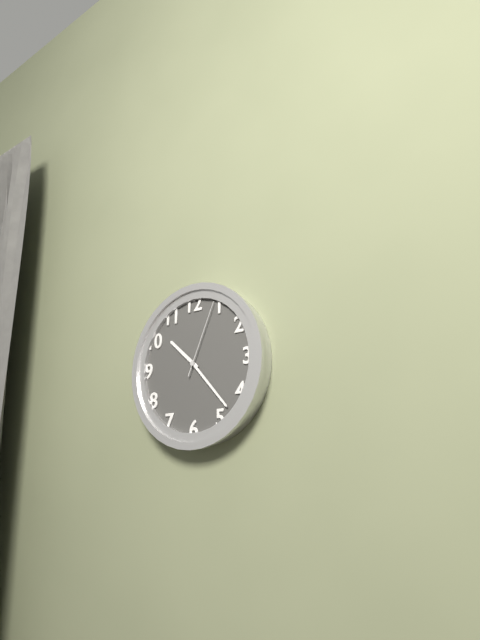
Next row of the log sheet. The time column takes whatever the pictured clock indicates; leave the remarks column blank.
10:23:04
